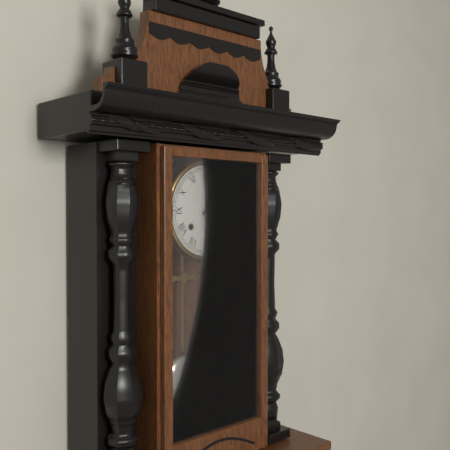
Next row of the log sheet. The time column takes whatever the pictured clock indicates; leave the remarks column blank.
2:04
